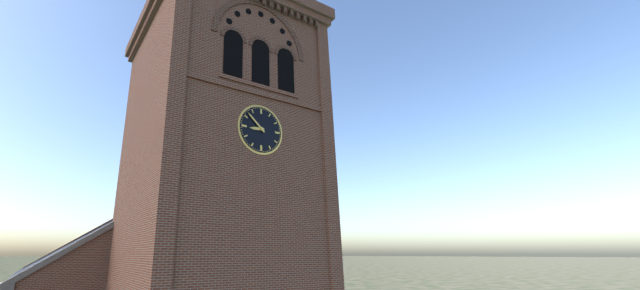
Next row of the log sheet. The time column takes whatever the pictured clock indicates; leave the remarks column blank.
8:52
